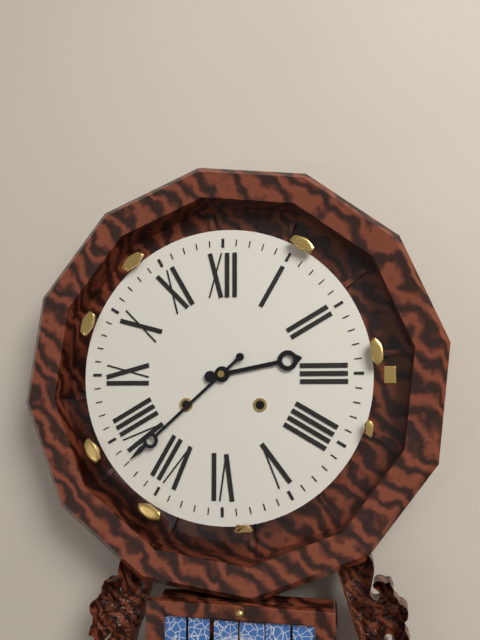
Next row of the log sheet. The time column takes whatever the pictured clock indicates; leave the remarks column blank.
2:38
